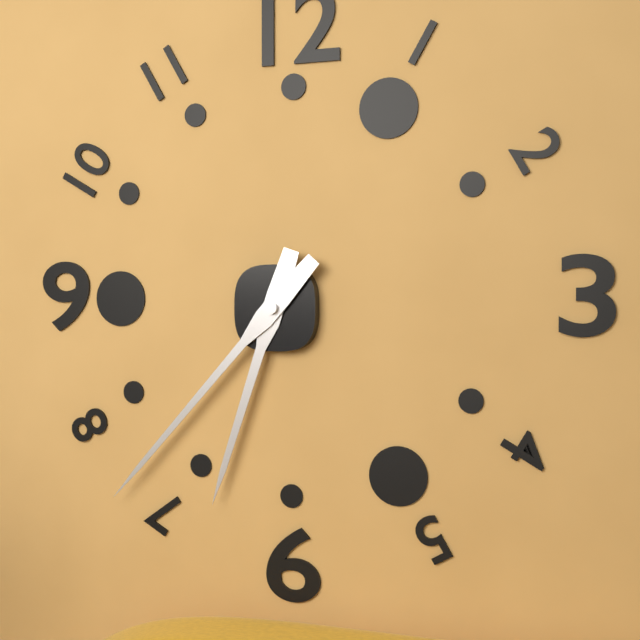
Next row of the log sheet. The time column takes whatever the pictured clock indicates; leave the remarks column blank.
6:37
